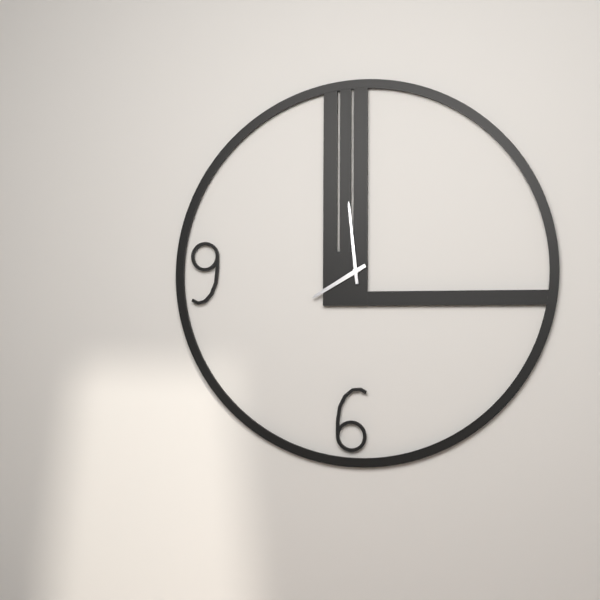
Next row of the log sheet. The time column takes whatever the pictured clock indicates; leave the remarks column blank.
7:59
